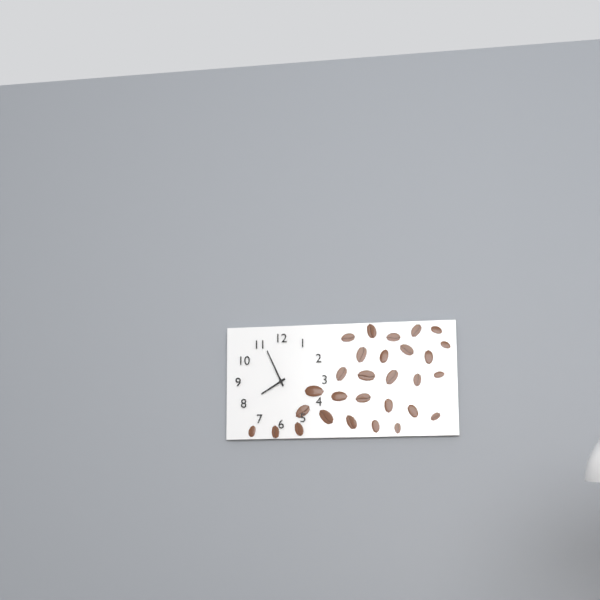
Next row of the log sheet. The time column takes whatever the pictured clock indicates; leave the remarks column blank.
7:56
